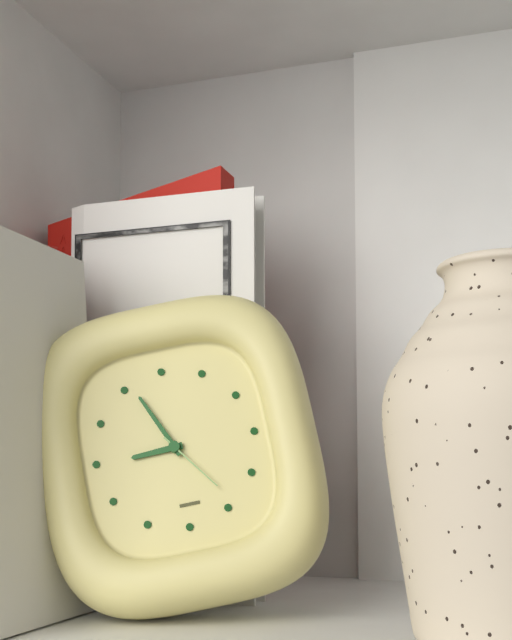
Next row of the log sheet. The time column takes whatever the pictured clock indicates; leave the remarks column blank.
8:56:24
